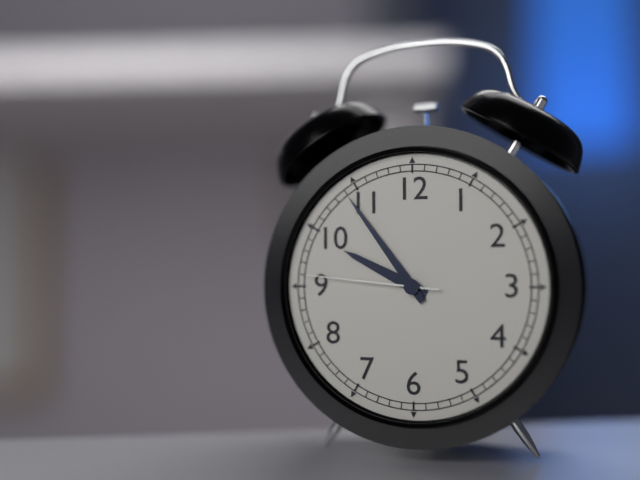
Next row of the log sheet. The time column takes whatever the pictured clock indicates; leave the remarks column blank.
9:54:46
